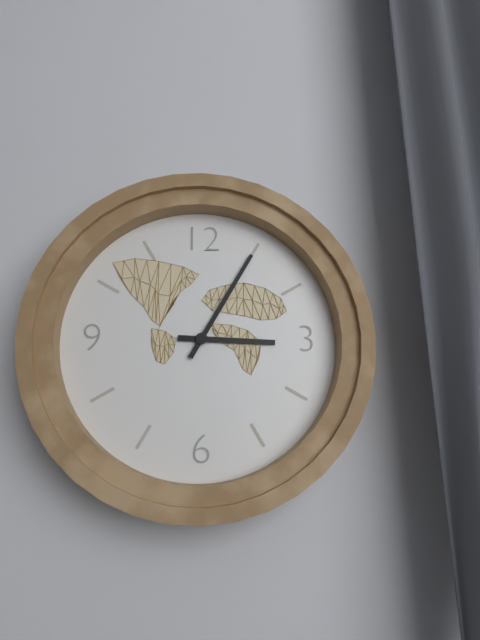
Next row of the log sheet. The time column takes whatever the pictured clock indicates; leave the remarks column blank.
3:05
